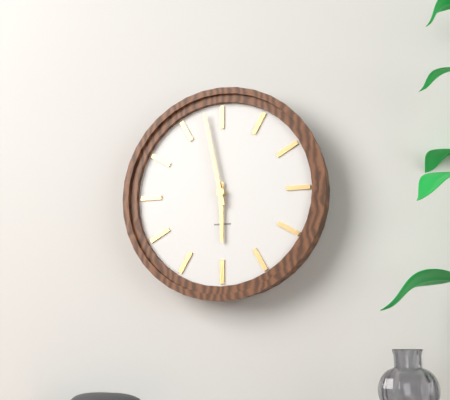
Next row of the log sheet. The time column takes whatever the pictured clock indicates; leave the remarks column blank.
5:58
